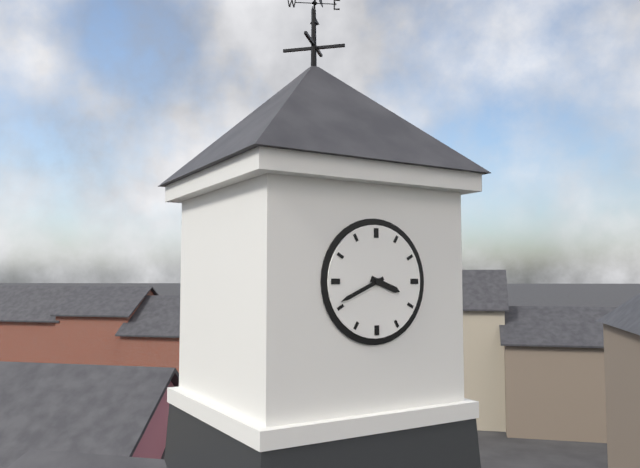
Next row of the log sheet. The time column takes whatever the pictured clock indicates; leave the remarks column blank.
3:41
